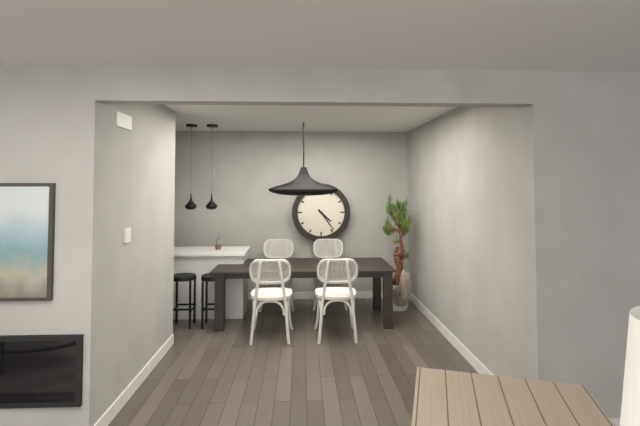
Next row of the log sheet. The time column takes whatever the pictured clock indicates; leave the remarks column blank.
4:24
